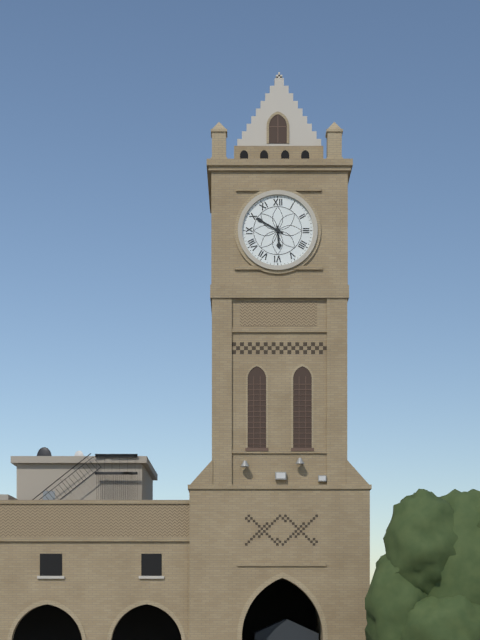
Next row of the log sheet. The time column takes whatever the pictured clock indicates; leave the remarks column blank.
5:50
